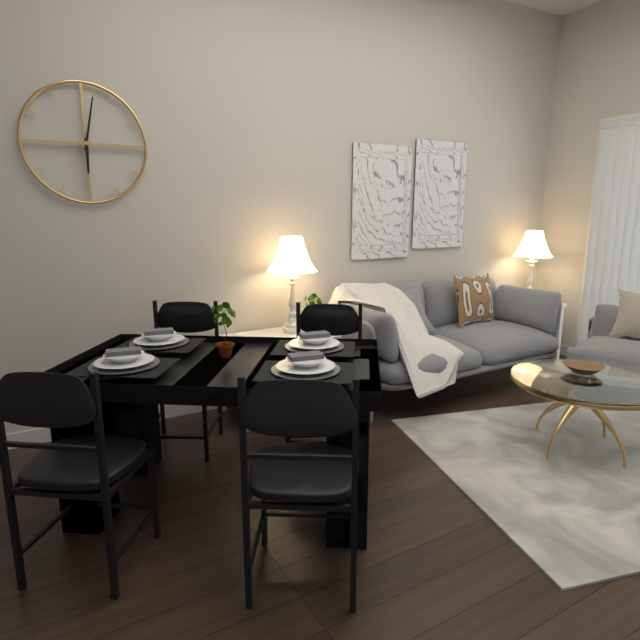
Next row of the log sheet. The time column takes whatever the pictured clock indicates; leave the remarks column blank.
6:02
